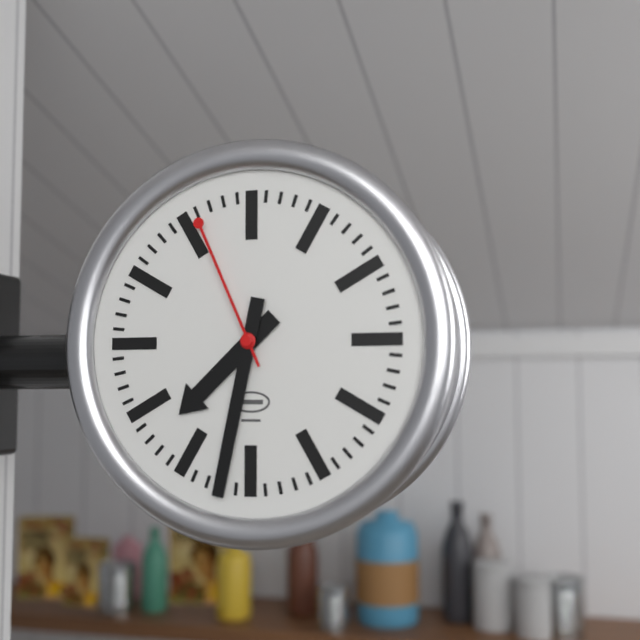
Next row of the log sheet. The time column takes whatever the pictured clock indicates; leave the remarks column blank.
7:32:56
